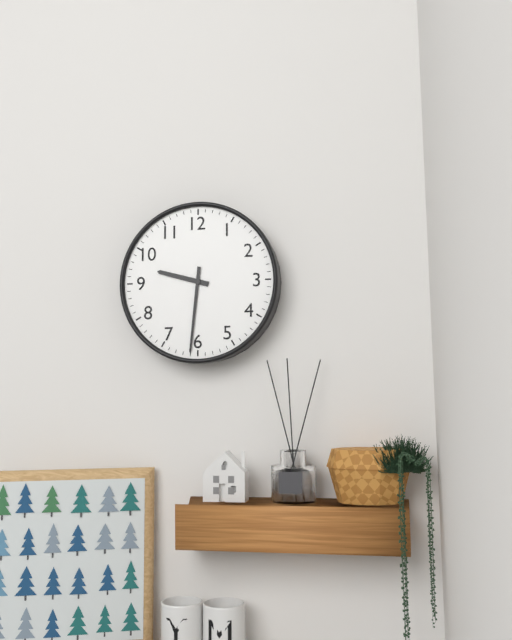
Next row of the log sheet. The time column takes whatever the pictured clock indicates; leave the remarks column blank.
9:31
